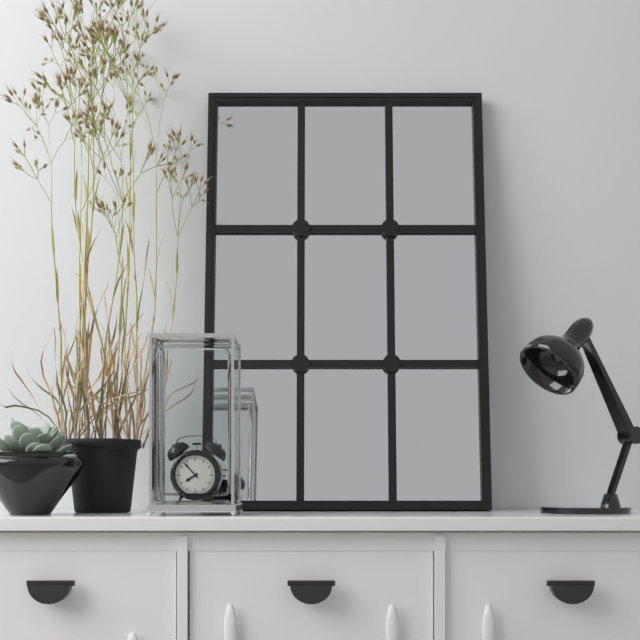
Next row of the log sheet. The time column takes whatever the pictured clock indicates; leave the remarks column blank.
7:53
